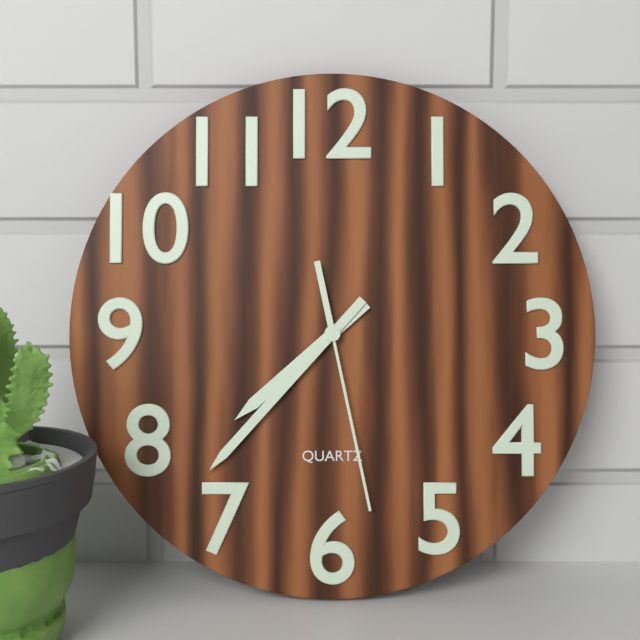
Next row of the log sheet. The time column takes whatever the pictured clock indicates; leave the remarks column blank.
7:37:28
